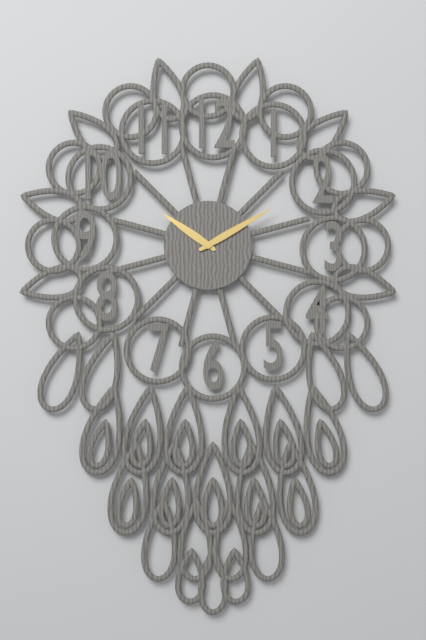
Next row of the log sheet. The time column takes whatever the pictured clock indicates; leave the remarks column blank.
10:10
